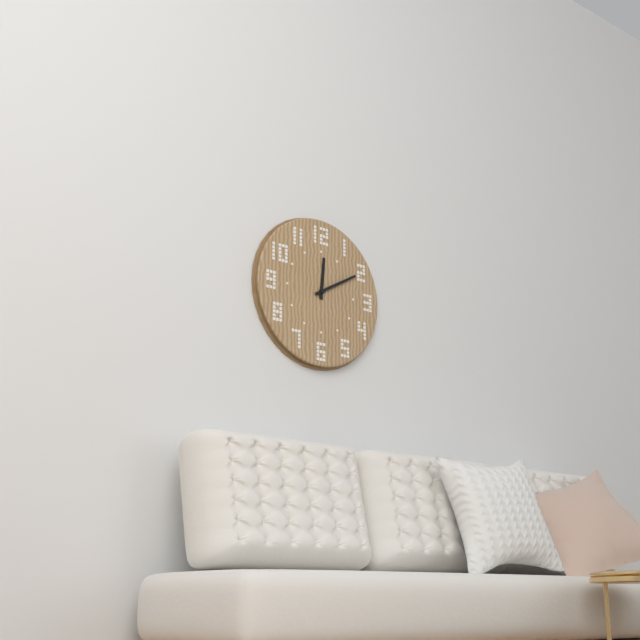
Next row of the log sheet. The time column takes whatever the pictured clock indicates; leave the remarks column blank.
12:10
